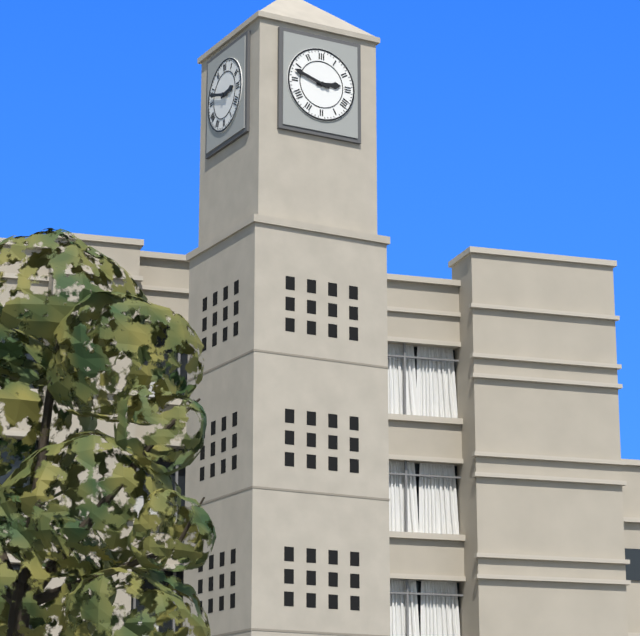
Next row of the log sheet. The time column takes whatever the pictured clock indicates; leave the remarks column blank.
2:48
